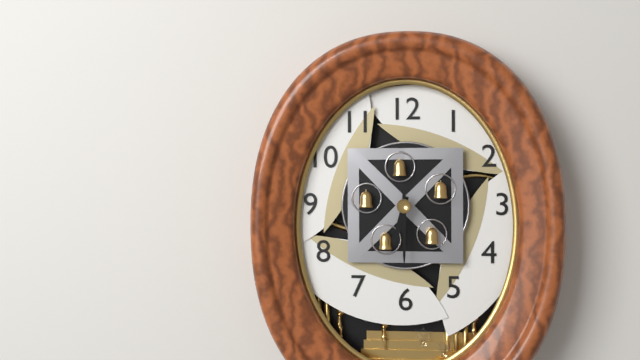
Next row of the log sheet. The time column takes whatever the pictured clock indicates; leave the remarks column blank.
6:30
